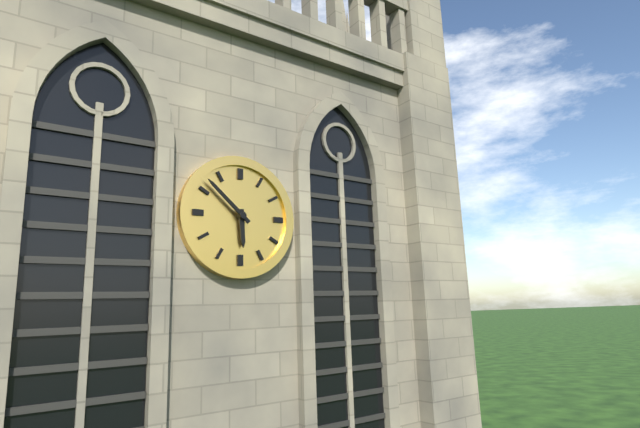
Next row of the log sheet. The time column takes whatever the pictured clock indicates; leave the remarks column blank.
5:52
